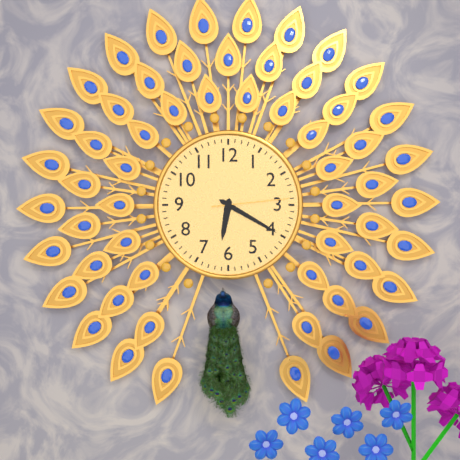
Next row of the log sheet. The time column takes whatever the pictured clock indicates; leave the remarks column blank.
6:20:14
